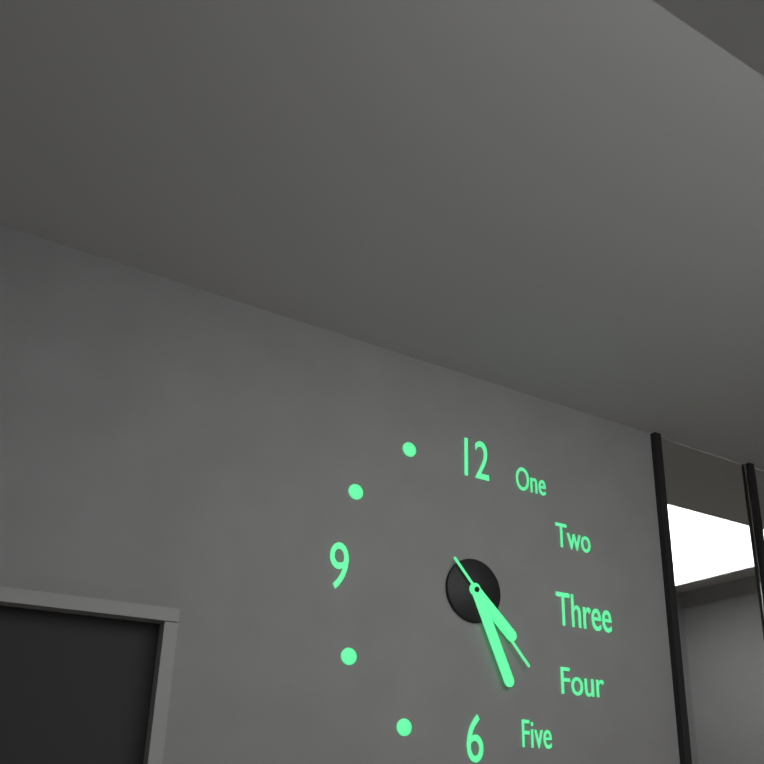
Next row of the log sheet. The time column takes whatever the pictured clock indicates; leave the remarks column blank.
4:26:23
